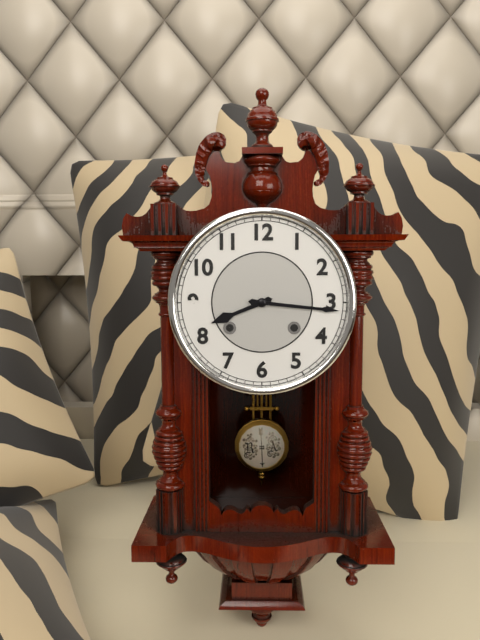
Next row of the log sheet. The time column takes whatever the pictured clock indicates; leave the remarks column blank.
8:16
